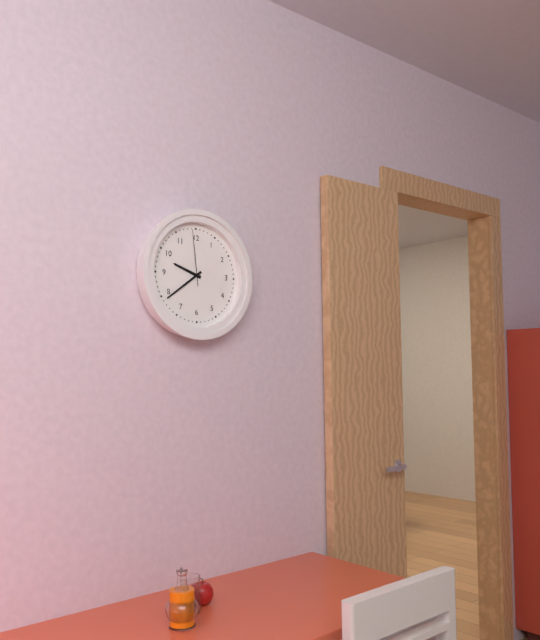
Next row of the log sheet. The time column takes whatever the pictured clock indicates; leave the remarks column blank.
9:39:59
